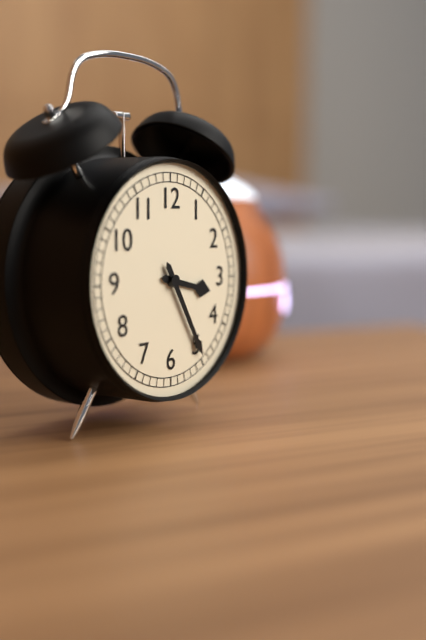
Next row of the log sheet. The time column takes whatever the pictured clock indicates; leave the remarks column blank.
3:25
